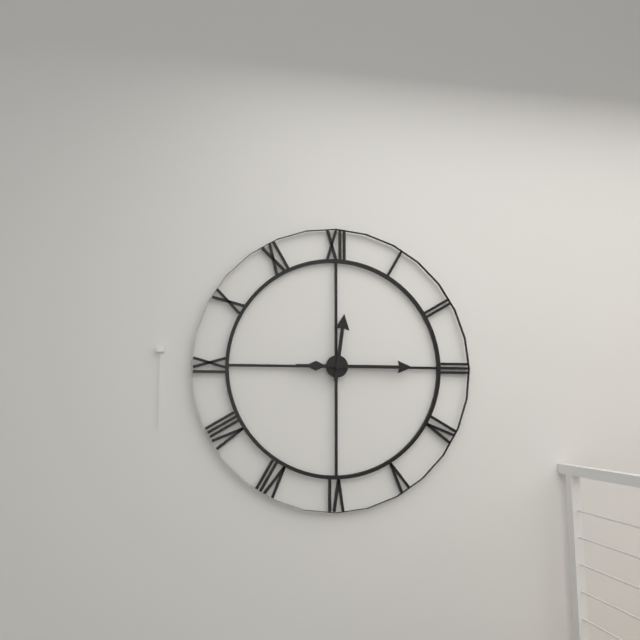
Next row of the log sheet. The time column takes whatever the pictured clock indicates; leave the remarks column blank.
12:15
